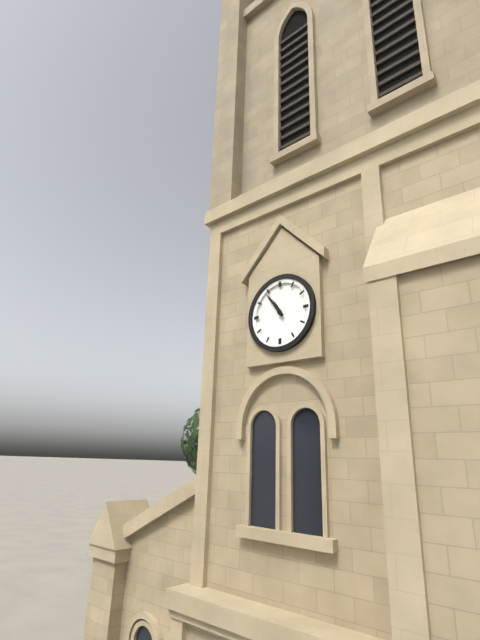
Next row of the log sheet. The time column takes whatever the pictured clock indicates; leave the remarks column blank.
10:54
